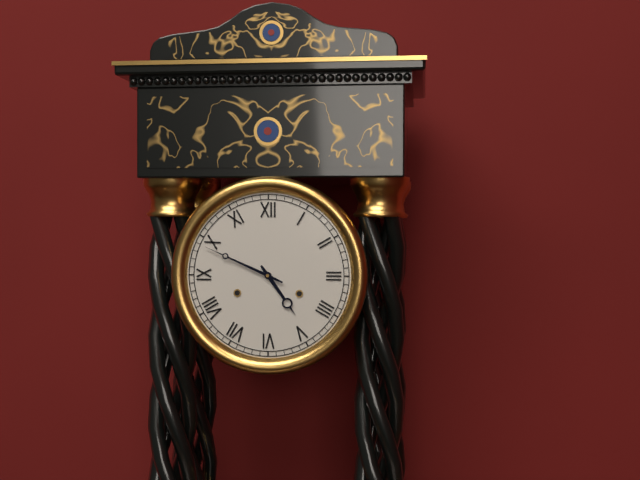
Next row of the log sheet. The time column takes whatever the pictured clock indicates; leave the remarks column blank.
4:49
